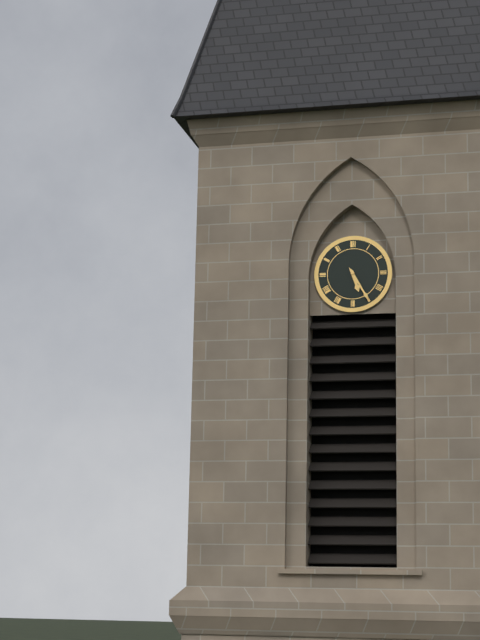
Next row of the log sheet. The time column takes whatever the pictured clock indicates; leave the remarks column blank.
5:25
